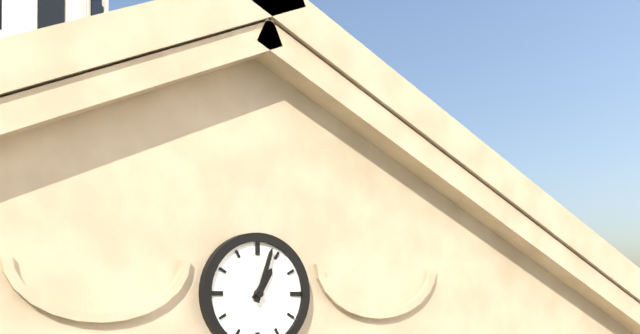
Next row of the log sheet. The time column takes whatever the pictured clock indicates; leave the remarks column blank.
1:03
